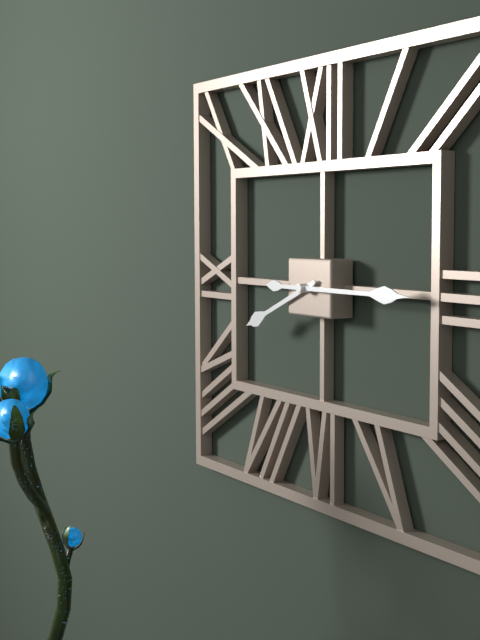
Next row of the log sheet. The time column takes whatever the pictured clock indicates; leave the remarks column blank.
8:15
